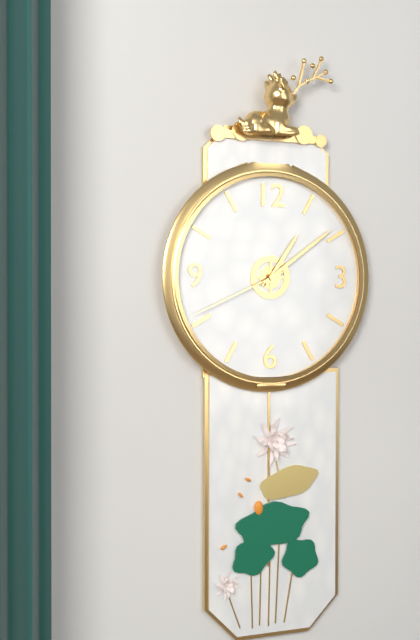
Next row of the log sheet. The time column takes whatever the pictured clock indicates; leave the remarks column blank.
1:09:41
